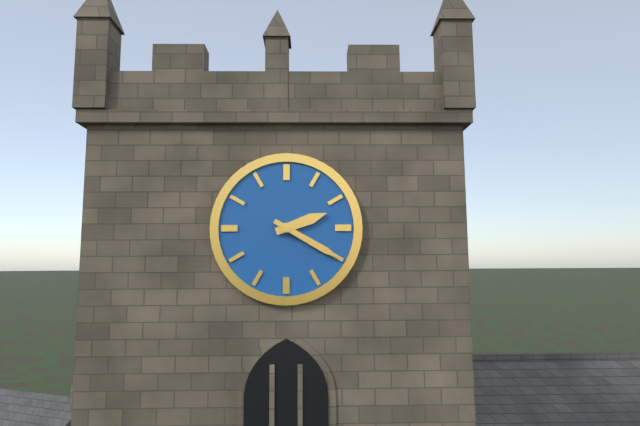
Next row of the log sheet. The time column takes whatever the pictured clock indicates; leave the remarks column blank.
2:20
